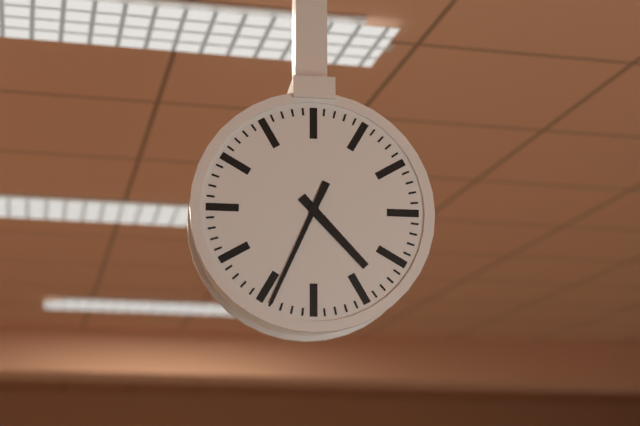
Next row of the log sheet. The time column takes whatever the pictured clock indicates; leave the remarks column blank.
4:34
